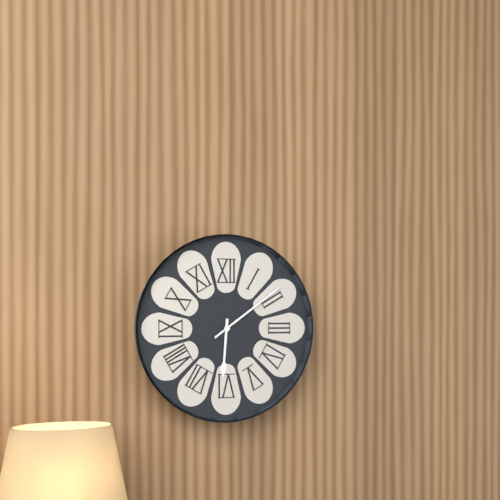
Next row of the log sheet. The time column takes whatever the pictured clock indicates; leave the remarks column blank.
6:09
